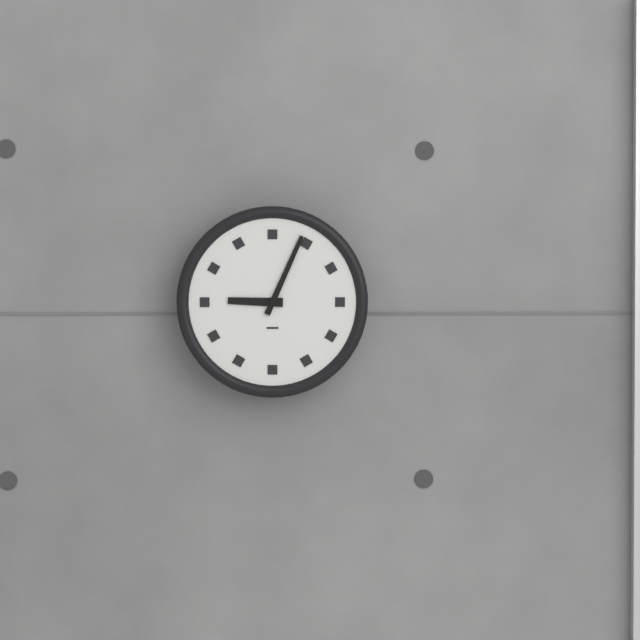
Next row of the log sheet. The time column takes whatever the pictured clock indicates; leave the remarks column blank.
9:04
